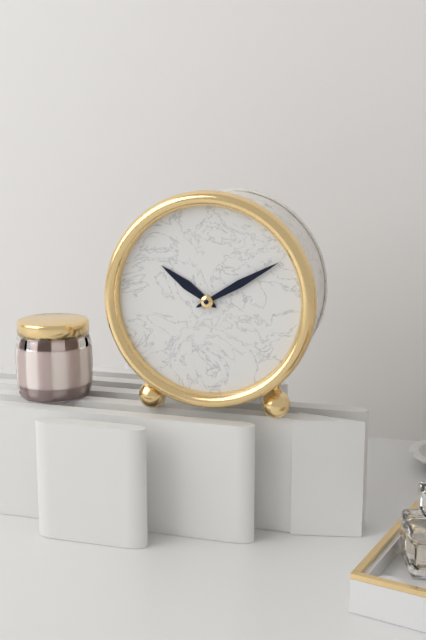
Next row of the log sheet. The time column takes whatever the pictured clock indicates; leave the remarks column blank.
10:10
